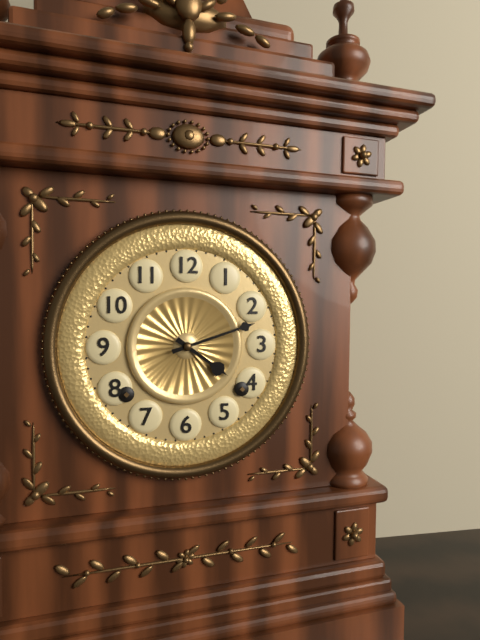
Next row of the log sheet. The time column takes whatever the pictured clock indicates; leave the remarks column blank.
4:12
